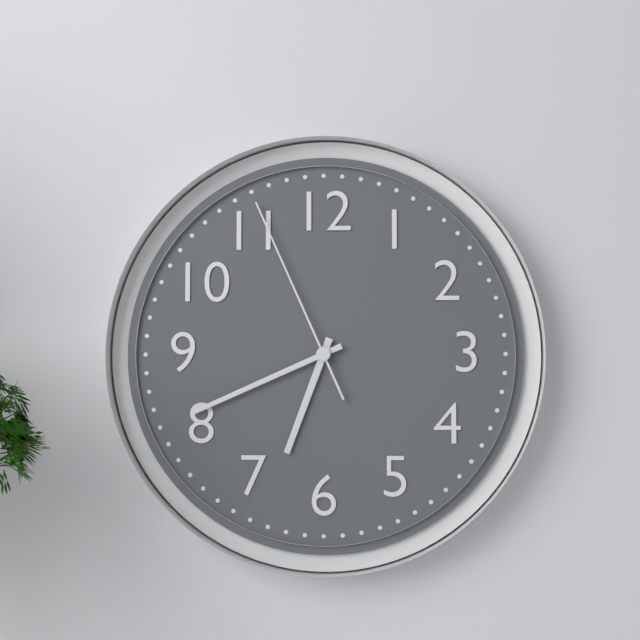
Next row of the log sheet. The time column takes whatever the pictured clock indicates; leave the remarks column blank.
6:41:56
